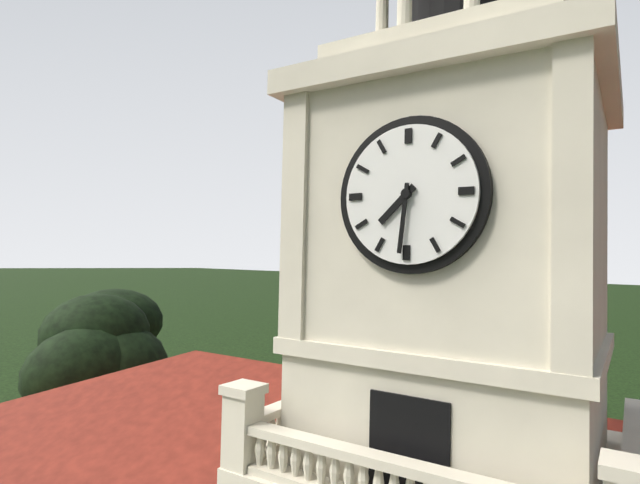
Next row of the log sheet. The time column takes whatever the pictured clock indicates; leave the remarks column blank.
7:31
